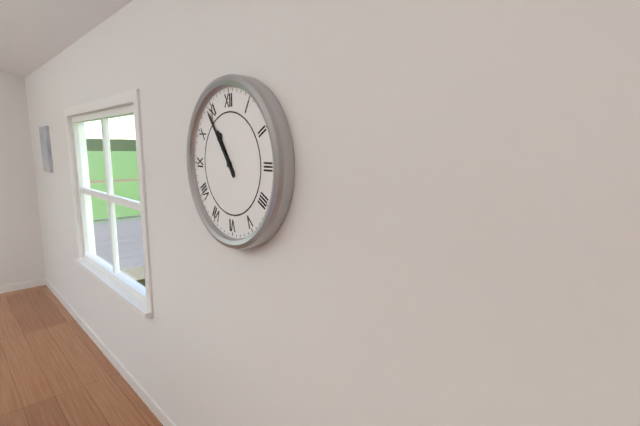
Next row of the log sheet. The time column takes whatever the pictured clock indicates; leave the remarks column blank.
10:54
